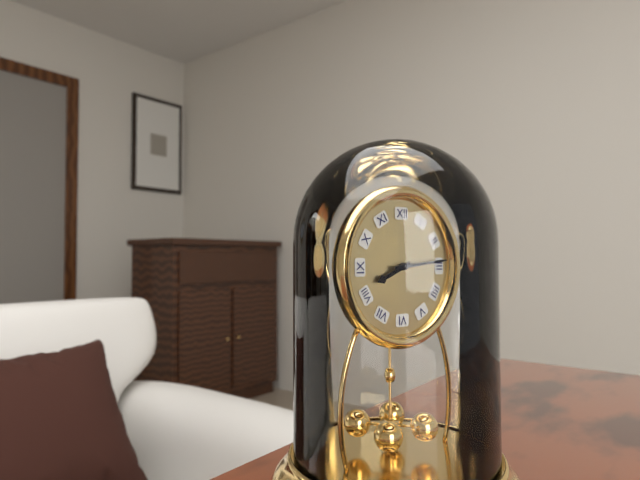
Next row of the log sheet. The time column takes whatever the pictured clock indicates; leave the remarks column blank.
8:14
